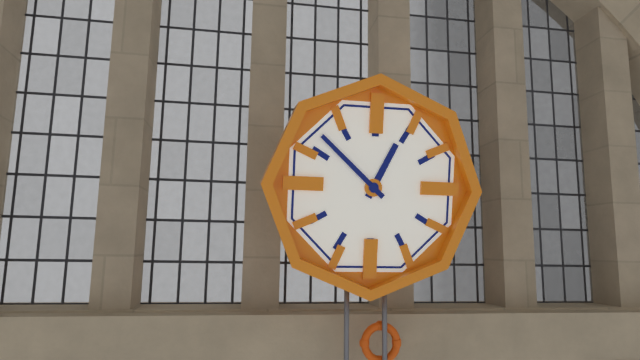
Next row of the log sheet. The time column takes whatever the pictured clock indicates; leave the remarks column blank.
12:52
